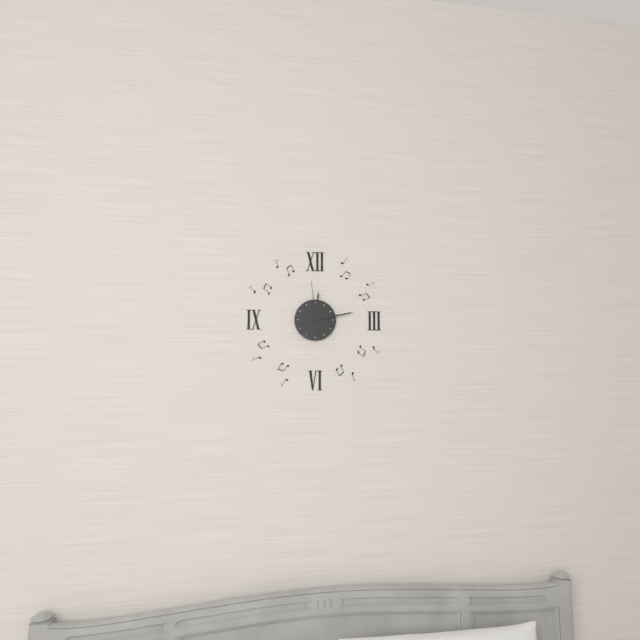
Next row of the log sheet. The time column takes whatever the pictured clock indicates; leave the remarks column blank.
12:13:59
